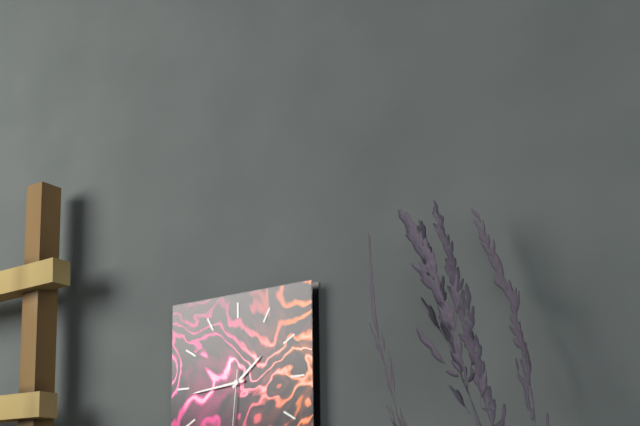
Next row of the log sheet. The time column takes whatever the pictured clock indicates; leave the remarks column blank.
1:44
